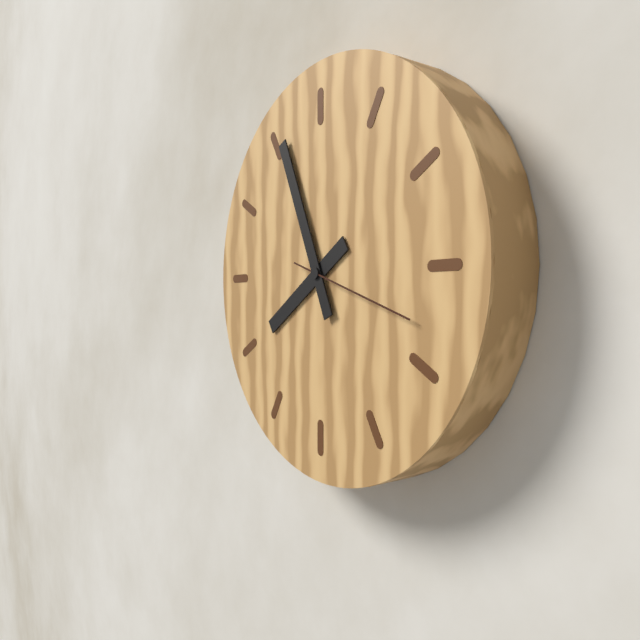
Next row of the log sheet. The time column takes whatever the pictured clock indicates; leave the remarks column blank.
7:56:18
